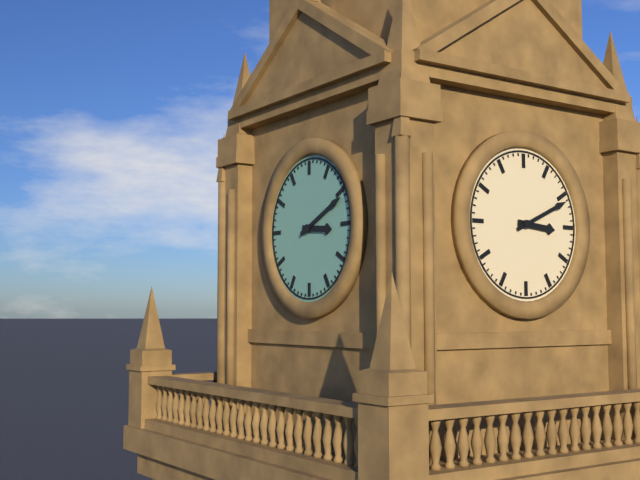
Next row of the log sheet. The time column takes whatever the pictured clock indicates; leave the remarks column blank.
3:11
